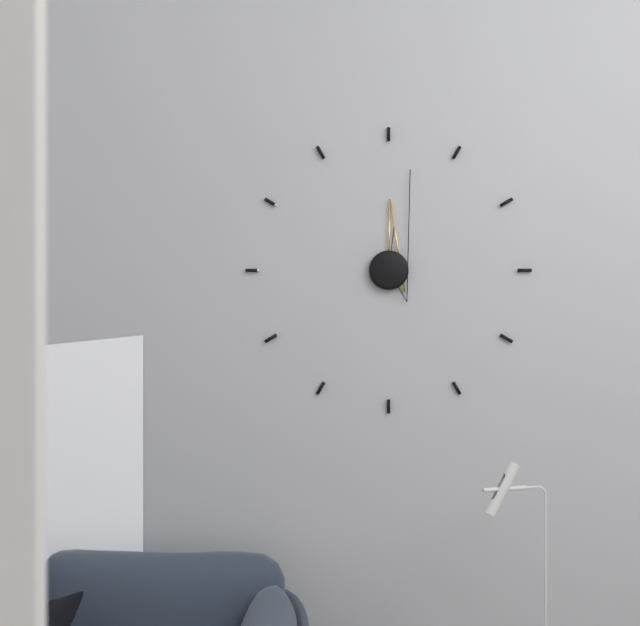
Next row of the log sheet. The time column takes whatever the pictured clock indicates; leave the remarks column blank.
12:02
